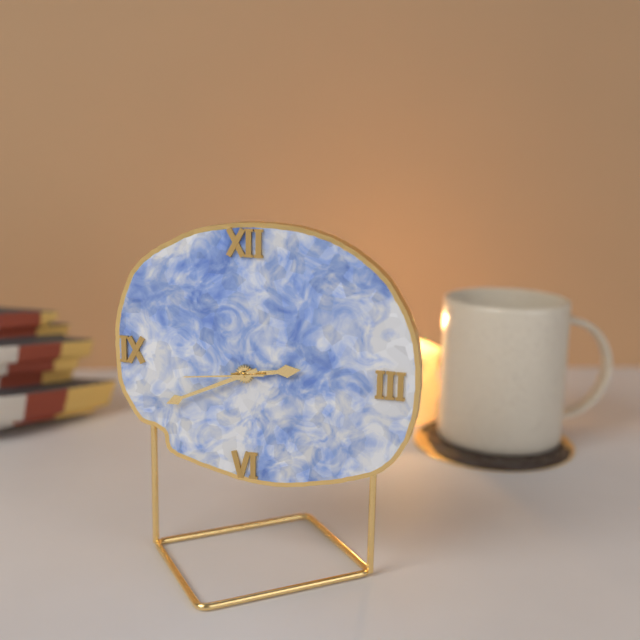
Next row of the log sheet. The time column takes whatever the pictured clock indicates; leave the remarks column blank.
2:41:44
